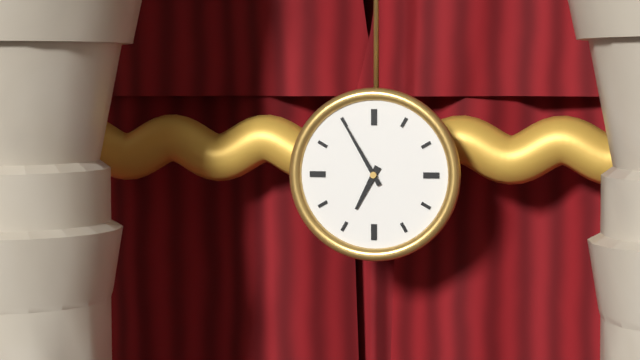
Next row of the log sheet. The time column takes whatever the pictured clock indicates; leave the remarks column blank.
6:55
